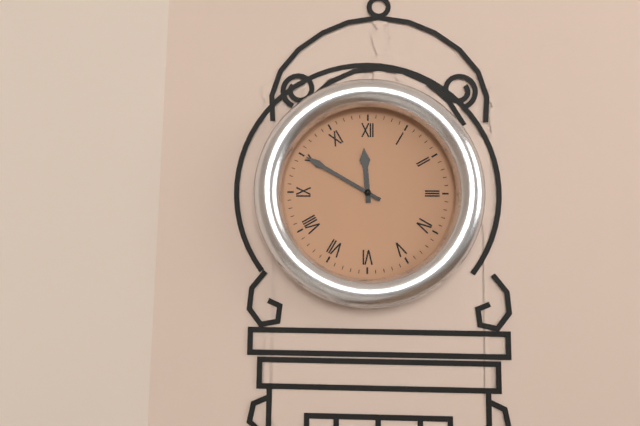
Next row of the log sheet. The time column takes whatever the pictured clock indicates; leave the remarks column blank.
11:50
